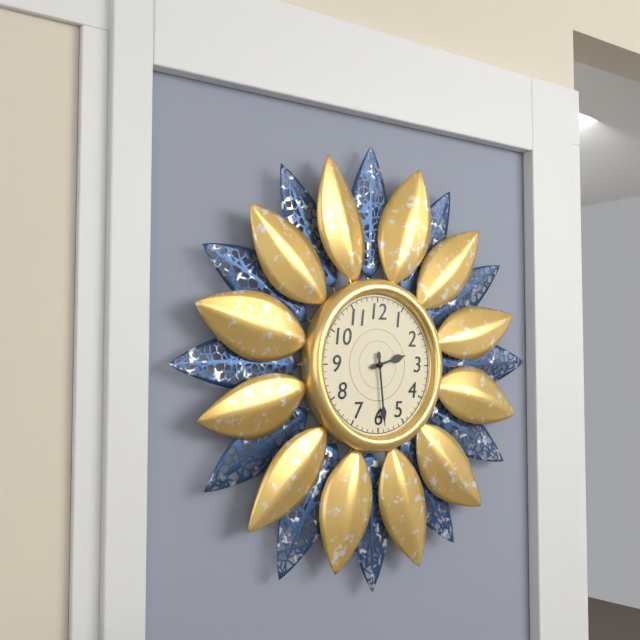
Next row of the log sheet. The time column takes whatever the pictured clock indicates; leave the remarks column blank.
2:29
